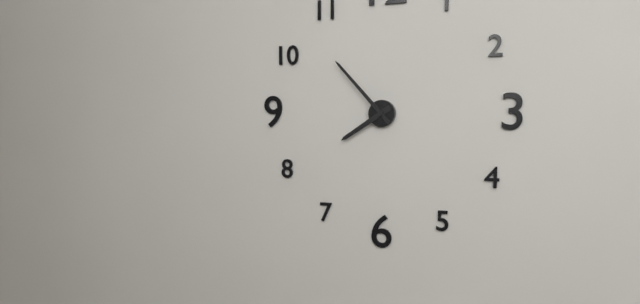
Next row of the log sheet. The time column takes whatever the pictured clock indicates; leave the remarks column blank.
7:53
